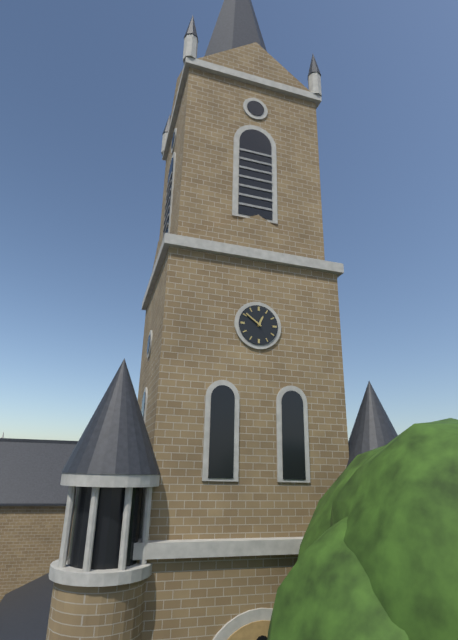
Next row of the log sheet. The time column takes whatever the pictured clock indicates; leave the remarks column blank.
12:51
